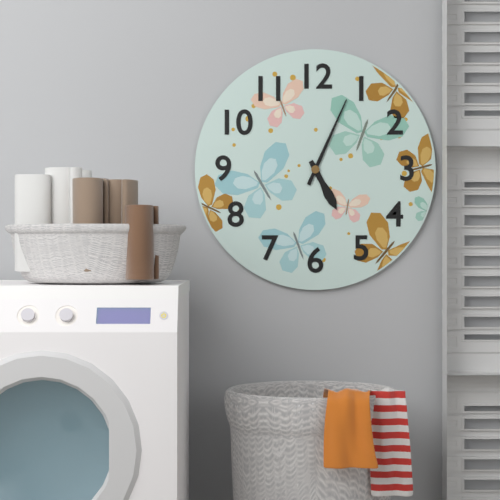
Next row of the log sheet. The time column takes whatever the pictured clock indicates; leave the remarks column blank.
5:04
